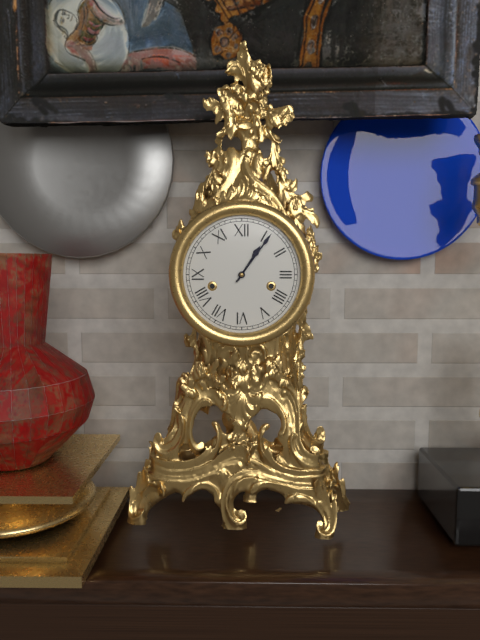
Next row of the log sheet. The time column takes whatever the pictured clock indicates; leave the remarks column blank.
1:06
